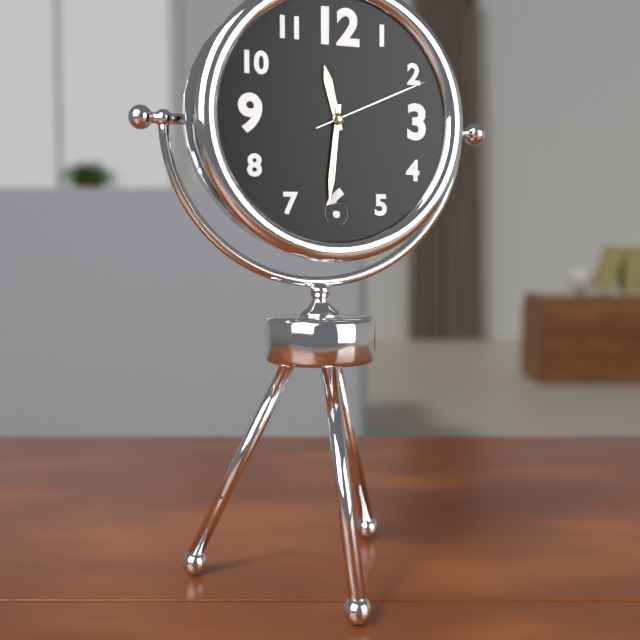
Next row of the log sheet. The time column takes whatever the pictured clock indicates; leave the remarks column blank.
11:31:11
